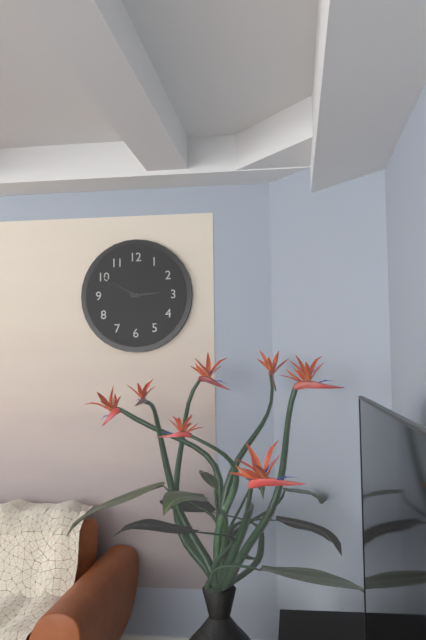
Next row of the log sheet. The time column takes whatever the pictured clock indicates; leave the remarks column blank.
2:50
